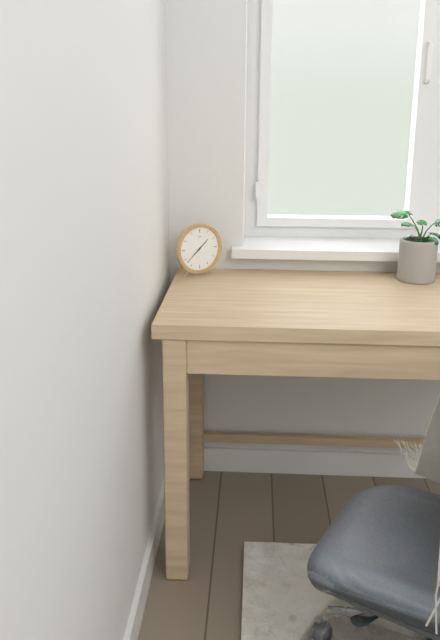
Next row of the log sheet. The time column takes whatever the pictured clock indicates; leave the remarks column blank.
1:38
